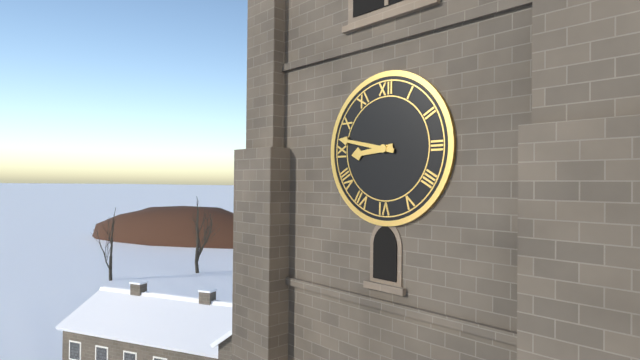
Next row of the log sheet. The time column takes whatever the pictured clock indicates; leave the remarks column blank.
8:47
